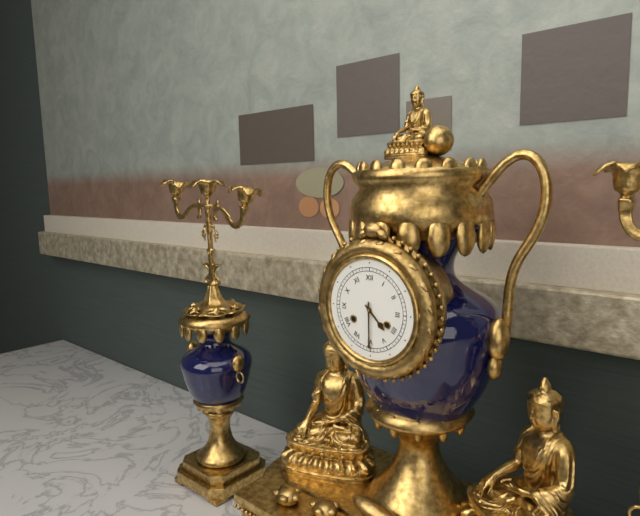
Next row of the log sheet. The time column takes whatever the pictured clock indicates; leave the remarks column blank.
4:30
